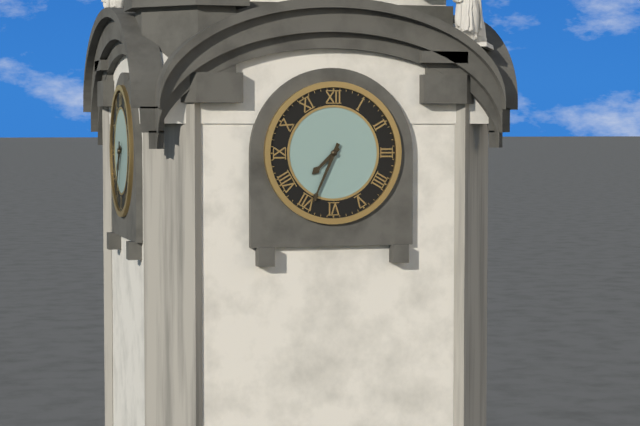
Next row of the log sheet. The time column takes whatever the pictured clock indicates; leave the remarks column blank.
7:34
